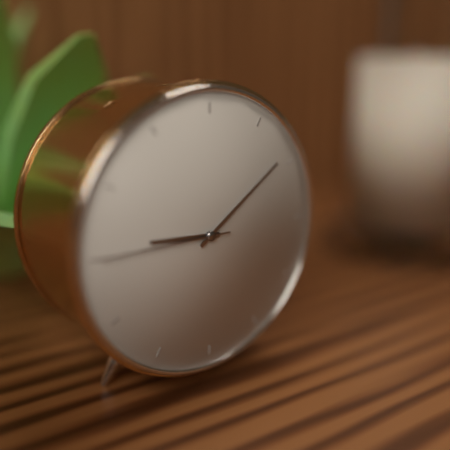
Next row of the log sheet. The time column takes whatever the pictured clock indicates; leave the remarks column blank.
9:09:45
